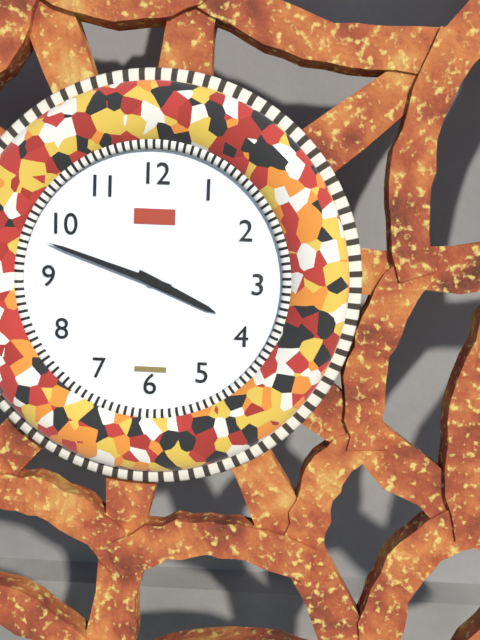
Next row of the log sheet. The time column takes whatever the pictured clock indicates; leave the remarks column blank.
3:48
